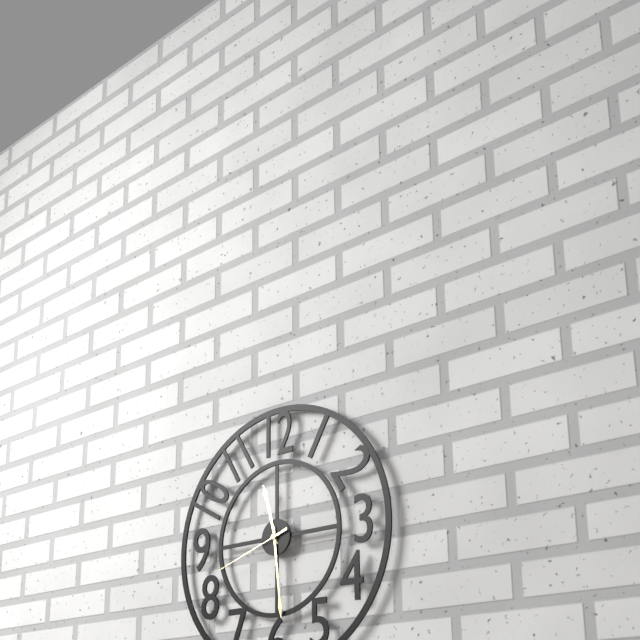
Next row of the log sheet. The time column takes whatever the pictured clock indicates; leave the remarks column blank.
11:29:42
